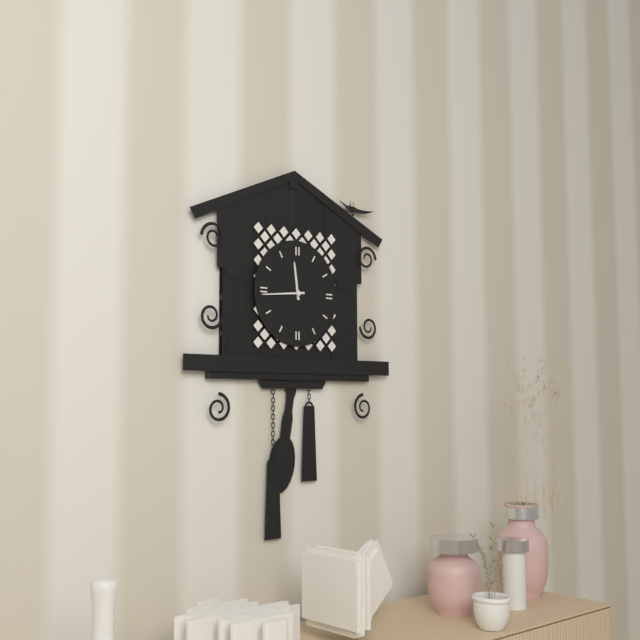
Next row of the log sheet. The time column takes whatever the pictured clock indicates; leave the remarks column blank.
11:44
